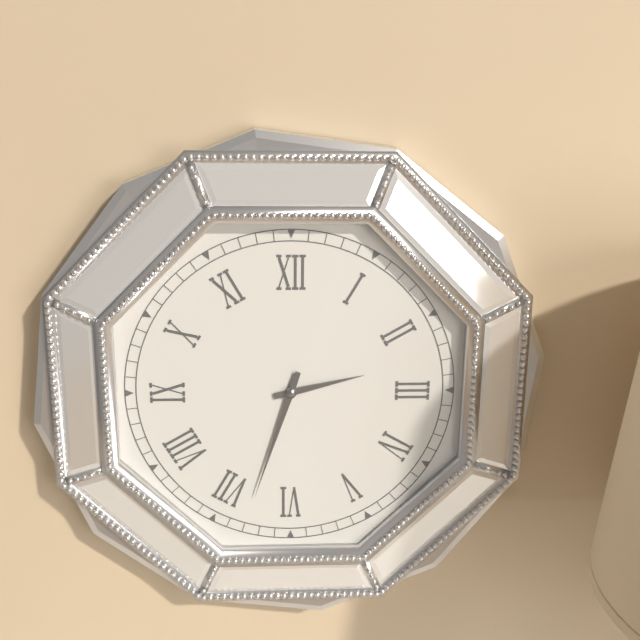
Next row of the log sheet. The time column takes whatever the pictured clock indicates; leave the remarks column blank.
2:33
